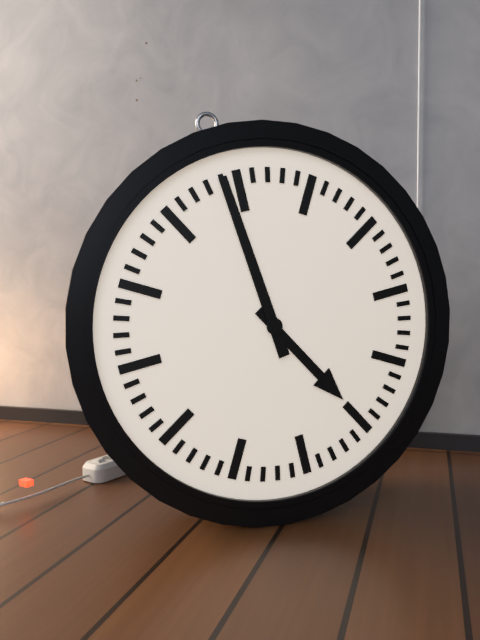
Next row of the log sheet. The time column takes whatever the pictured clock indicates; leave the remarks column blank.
4:59
